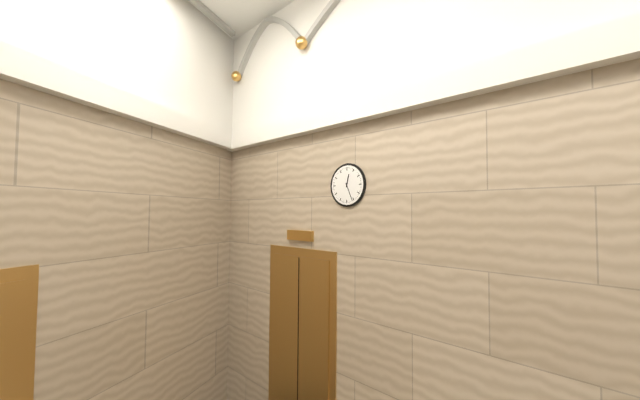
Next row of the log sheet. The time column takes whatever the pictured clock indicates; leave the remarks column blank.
12:26
